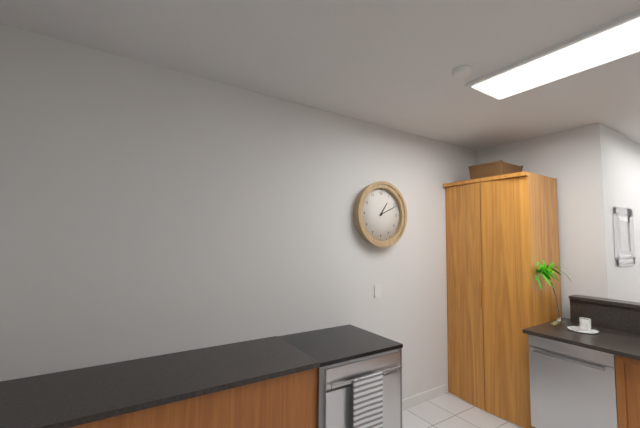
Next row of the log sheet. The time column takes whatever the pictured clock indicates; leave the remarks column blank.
1:11
